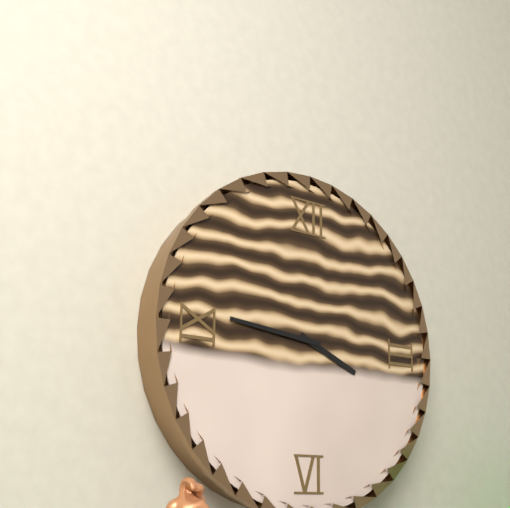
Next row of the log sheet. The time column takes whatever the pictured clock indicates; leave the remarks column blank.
3:46
